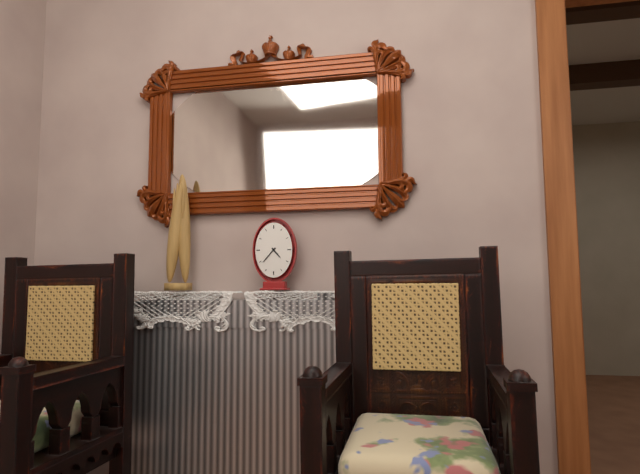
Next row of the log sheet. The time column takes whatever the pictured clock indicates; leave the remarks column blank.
4:37
